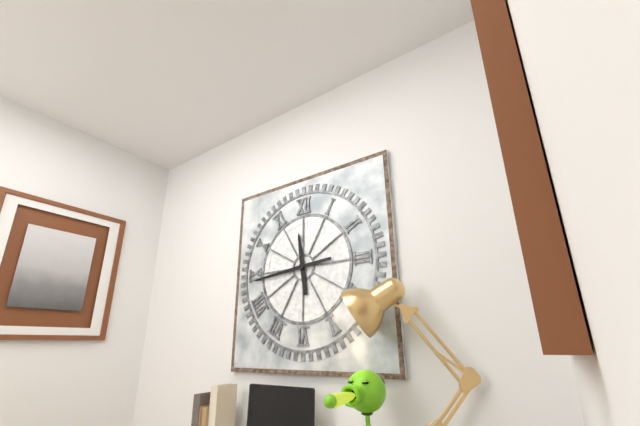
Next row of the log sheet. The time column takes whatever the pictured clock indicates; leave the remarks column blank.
11:44
